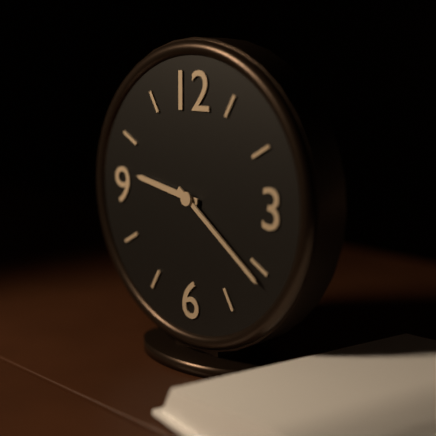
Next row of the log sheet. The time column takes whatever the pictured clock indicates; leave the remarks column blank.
9:21
